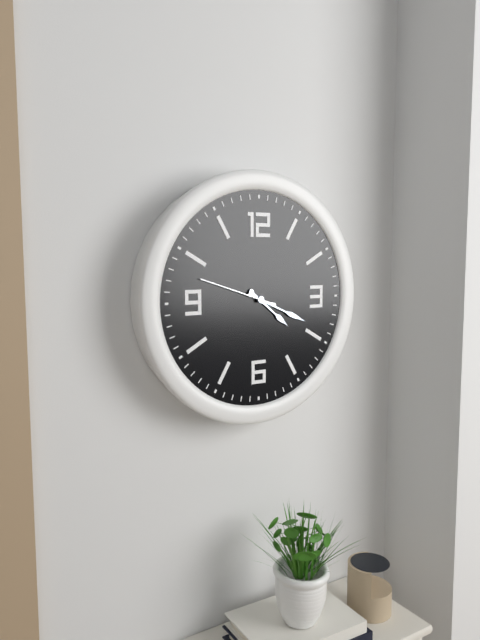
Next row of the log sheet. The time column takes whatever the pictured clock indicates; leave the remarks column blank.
4:19:48
